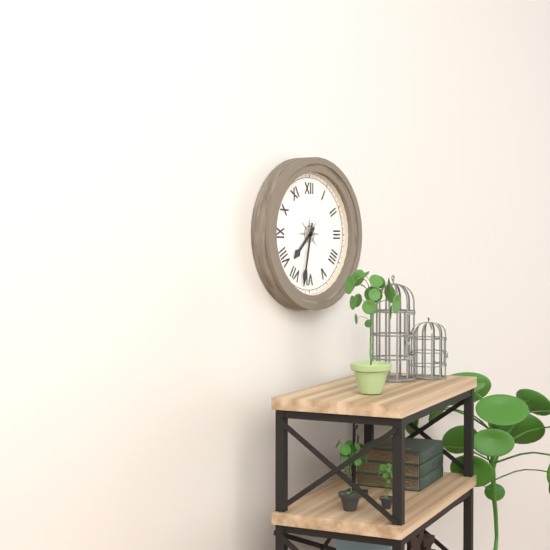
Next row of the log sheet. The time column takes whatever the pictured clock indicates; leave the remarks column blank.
7:32
